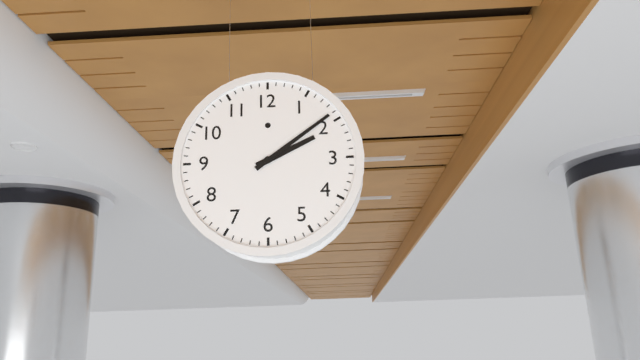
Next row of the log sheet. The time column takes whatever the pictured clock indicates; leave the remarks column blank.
2:09
